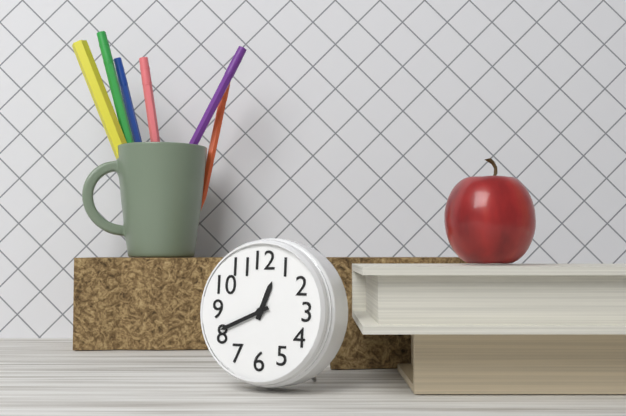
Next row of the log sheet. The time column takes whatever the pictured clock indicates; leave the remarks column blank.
12:41
